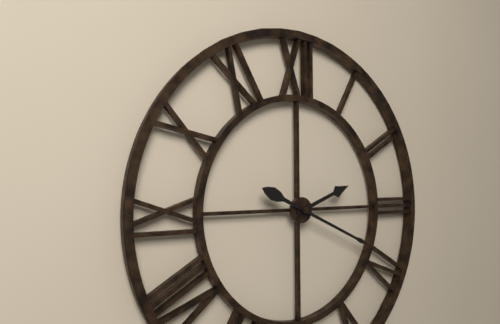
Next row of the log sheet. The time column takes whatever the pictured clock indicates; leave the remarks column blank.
2:19
